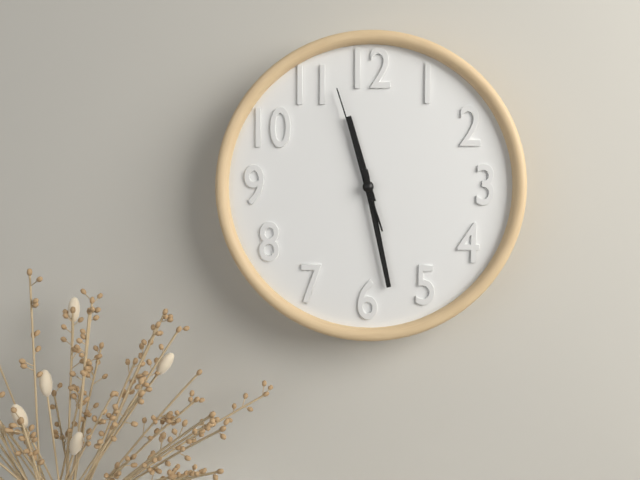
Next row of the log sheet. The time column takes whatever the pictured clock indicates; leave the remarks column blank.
11:28:57
